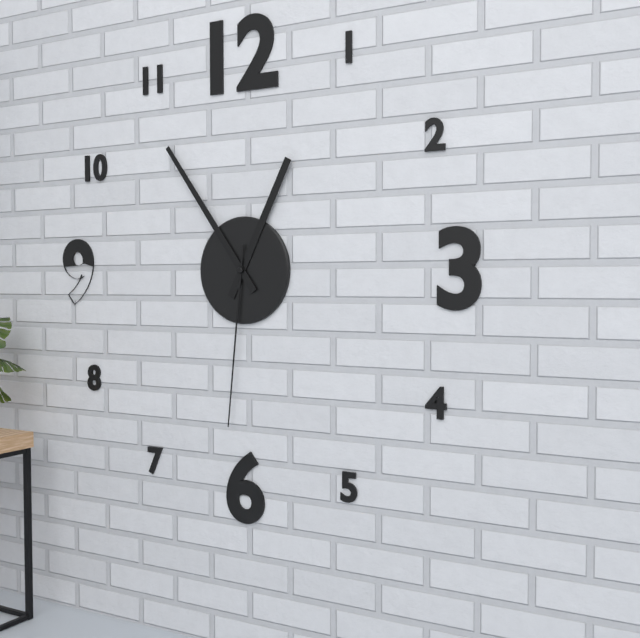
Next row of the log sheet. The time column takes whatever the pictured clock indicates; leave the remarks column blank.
12:54:31
